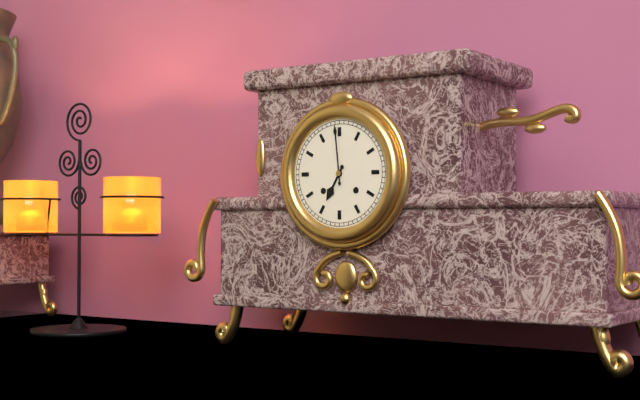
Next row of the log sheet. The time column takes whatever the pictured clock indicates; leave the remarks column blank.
6:59
